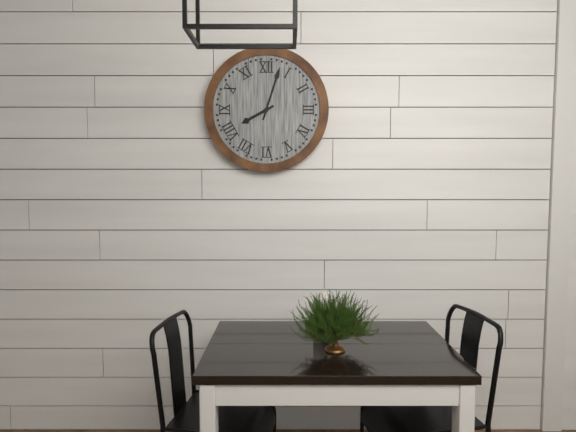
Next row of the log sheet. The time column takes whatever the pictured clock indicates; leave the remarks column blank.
8:03
